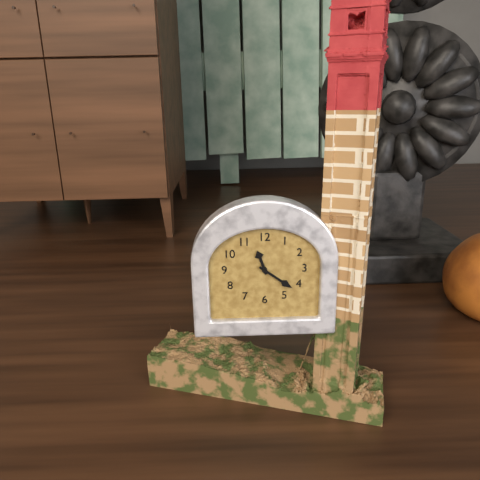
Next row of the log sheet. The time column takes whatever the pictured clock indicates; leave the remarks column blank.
11:21
